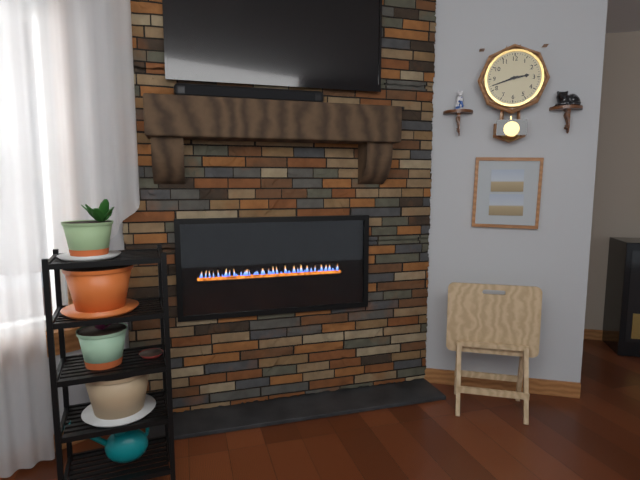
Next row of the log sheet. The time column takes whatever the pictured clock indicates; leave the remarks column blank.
2:42
